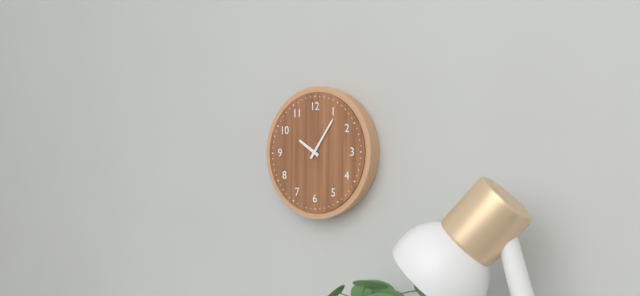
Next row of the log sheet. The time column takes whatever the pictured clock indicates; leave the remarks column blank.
10:06
